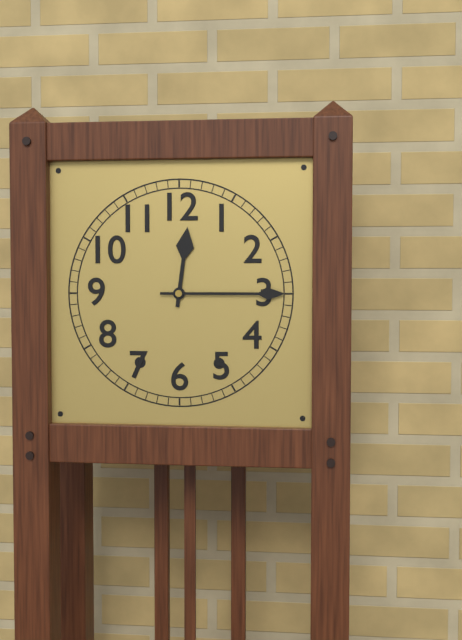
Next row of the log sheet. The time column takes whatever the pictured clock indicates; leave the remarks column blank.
12:15
